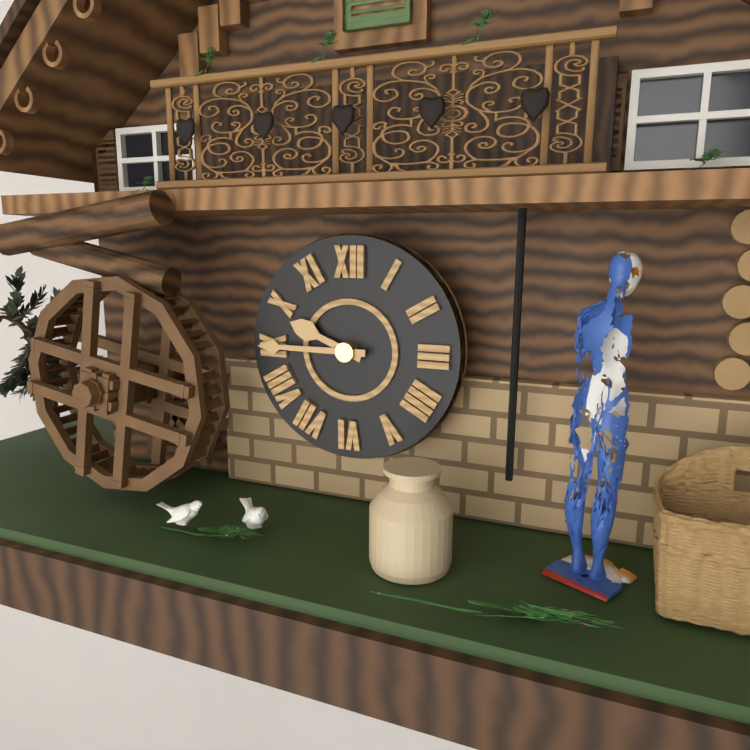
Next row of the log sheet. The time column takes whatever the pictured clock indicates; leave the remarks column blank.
9:45
